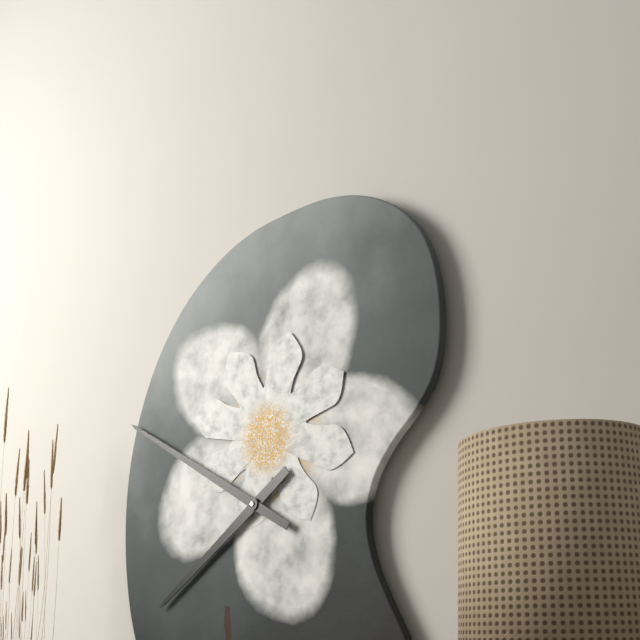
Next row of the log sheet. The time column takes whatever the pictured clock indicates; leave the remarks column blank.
7:50
